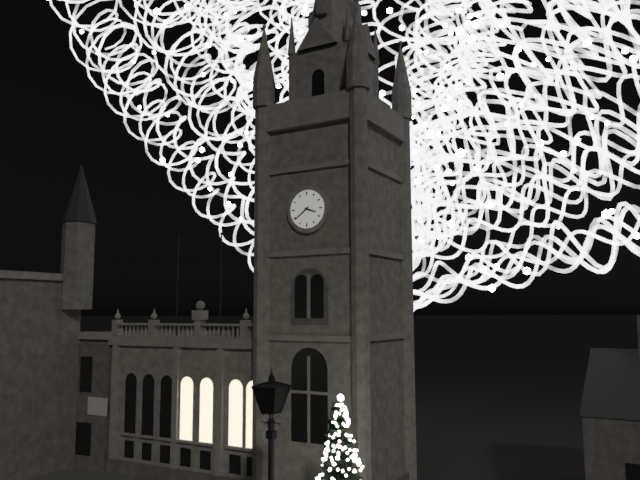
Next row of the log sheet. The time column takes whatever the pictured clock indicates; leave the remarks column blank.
3:39
